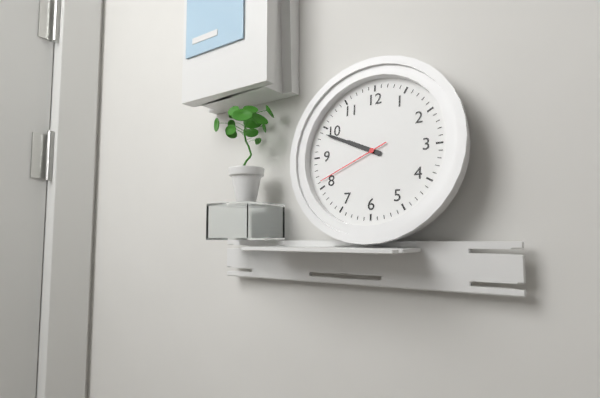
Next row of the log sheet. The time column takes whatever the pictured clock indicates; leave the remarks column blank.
9:49:41
